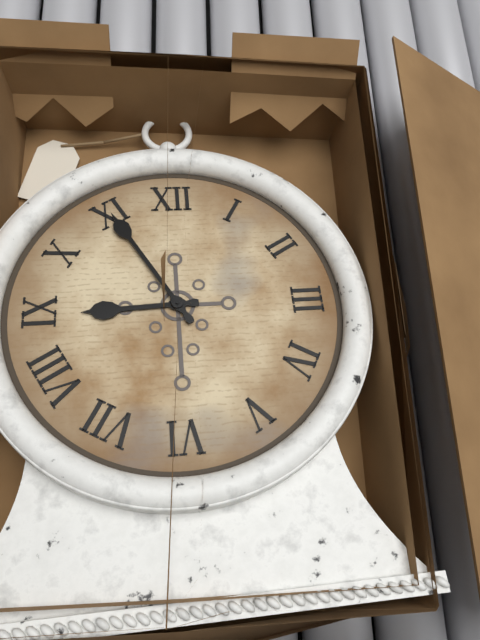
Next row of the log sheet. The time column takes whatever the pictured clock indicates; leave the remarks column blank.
8:55
